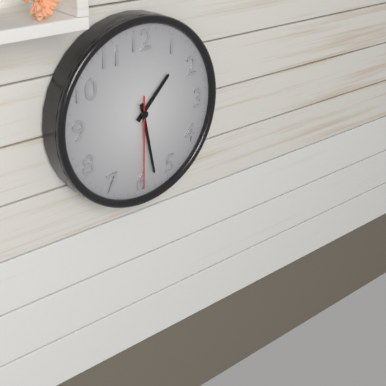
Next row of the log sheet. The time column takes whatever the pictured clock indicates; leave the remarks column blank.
1:28:30
